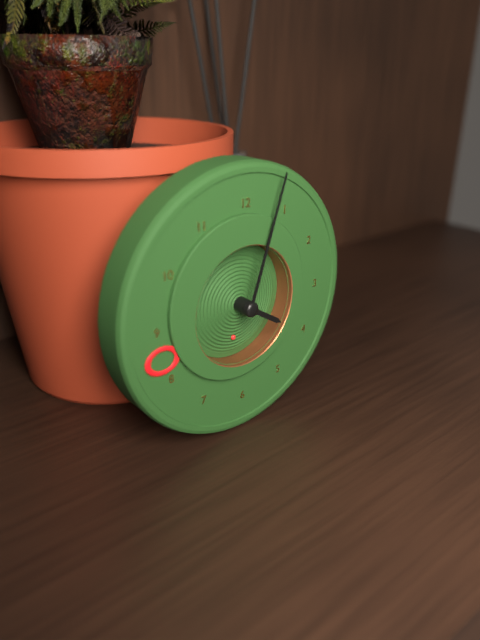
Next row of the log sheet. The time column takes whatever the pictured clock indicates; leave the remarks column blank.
4:03:31
